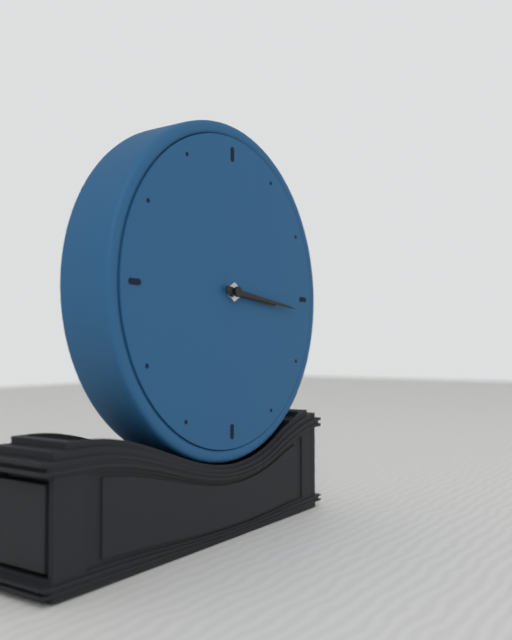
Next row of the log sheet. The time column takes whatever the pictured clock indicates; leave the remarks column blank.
3:16
